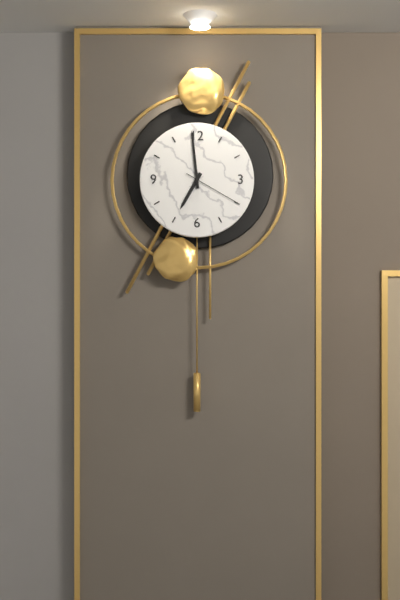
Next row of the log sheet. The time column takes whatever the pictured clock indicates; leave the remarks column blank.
6:59:20
